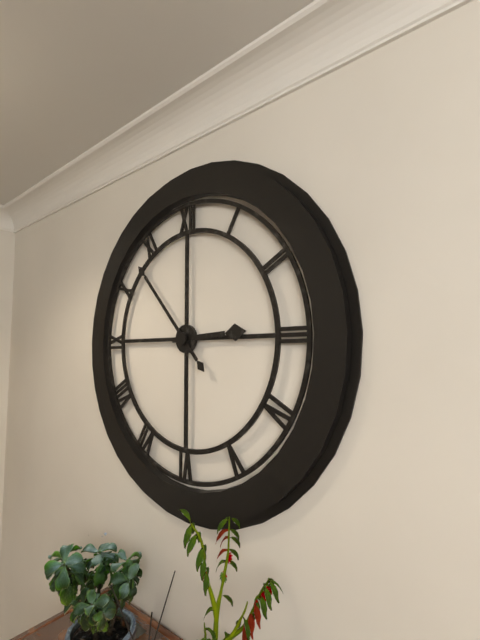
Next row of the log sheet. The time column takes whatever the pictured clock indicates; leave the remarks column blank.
2:53
